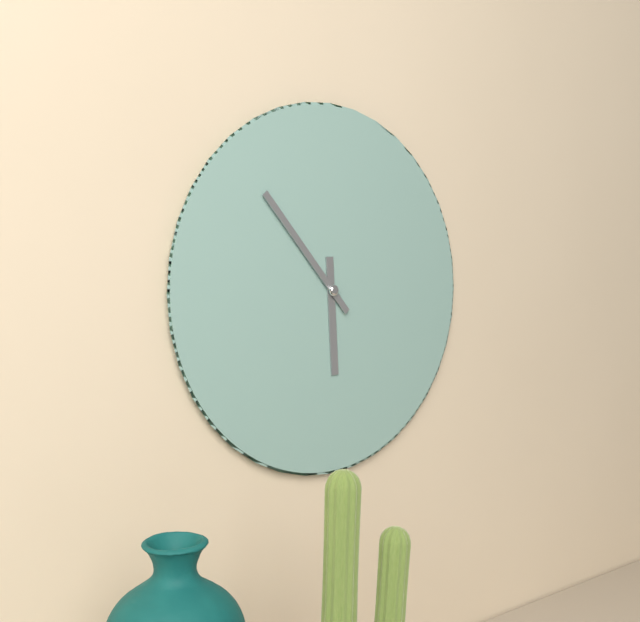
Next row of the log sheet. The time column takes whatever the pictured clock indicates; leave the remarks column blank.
5:53
